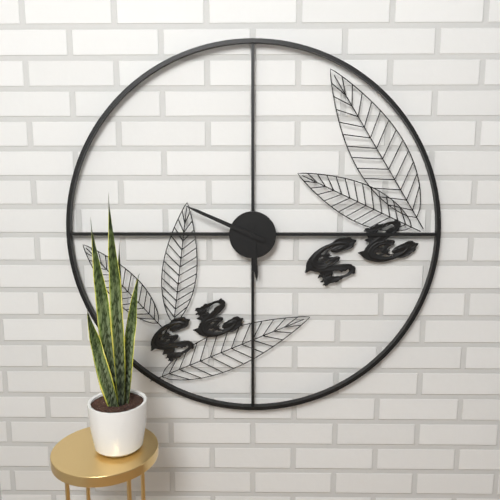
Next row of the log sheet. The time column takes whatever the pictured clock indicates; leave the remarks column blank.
5:49
